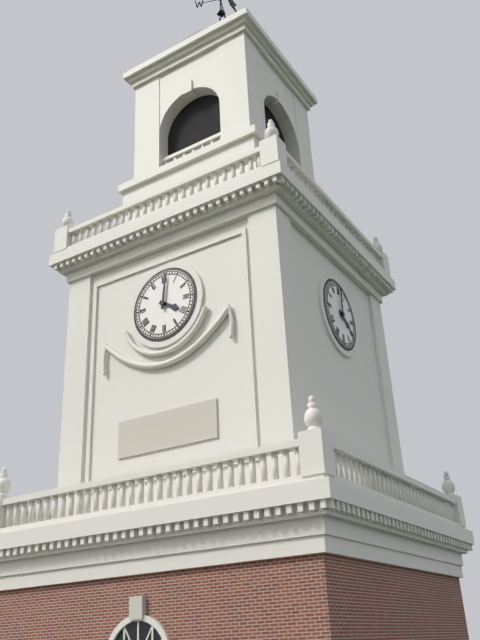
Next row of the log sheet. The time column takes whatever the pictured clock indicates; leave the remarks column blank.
4:01
